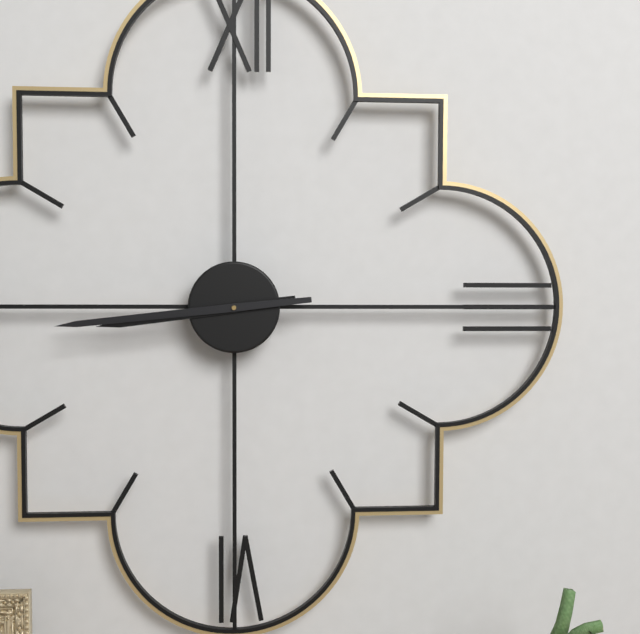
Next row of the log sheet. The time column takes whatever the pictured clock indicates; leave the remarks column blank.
8:44
